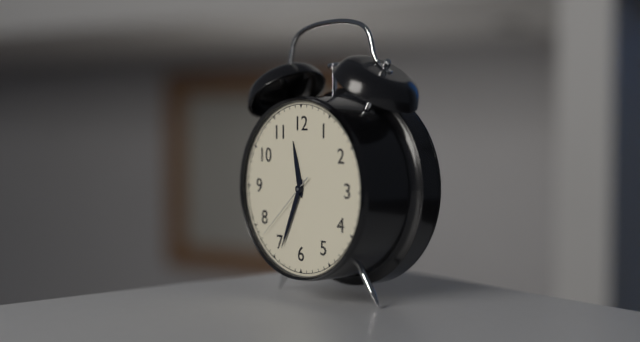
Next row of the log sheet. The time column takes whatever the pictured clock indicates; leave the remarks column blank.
11:34:38
